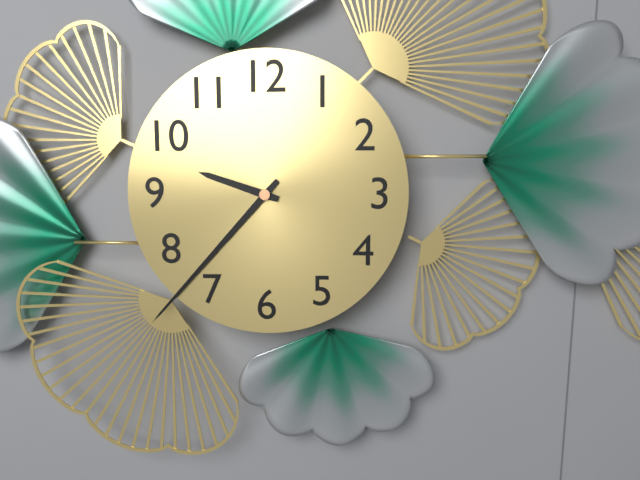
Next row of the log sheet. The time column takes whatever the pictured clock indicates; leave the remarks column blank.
9:37
